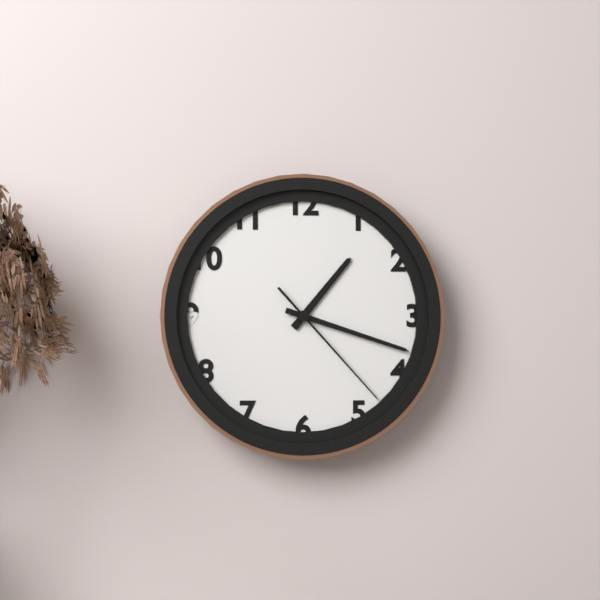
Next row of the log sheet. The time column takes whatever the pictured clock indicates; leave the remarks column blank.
1:18:23
